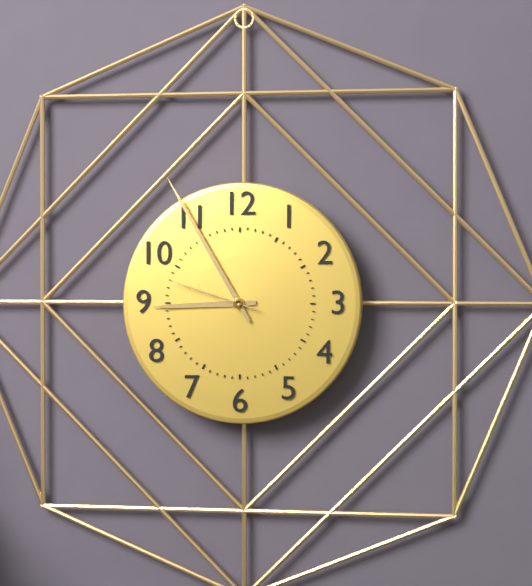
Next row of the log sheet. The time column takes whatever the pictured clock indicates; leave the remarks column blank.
8:55:48
